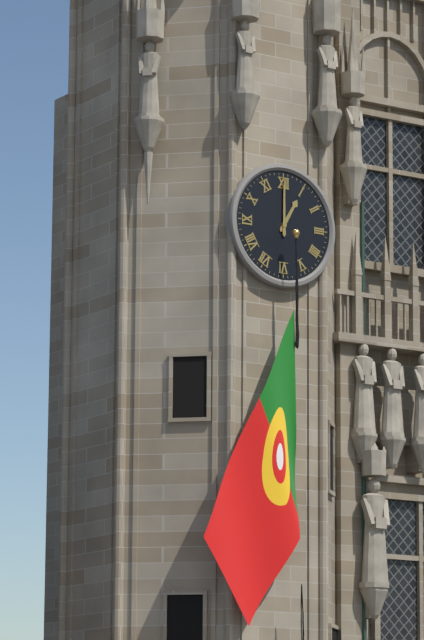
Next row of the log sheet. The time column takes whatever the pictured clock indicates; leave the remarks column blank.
1:00
